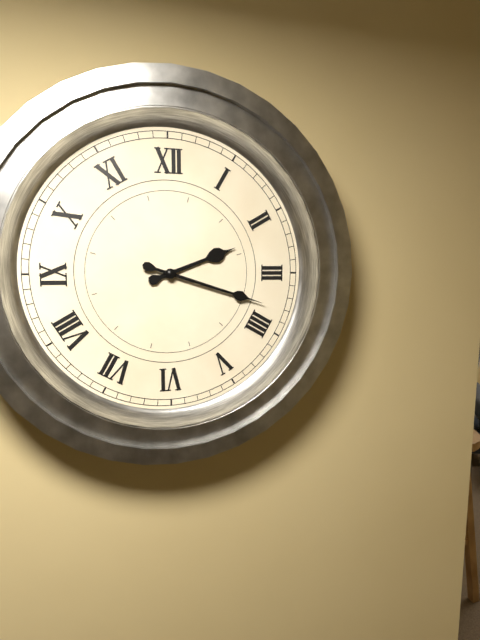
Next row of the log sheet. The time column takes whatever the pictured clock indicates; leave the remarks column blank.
2:18
